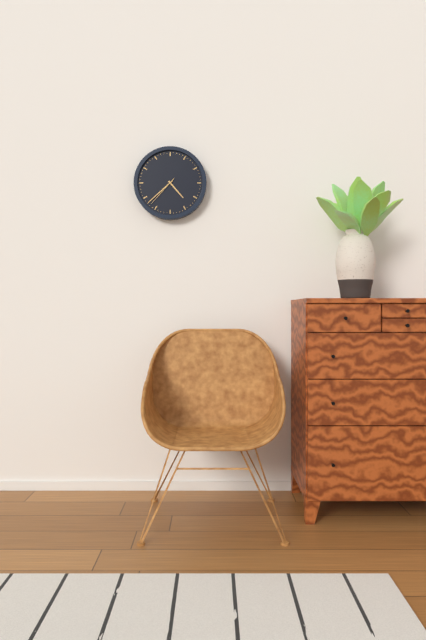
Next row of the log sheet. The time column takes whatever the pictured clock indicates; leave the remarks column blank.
4:38
